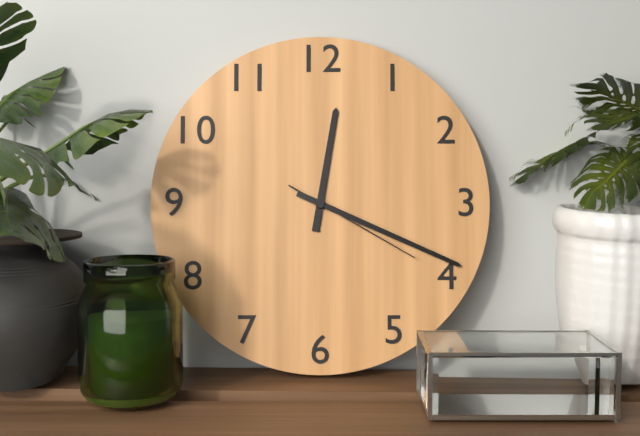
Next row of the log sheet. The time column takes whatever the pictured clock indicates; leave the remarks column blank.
12:19:20
